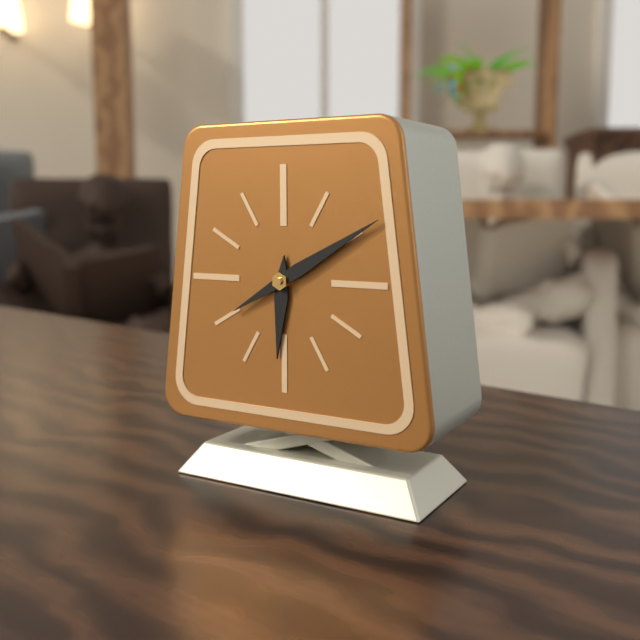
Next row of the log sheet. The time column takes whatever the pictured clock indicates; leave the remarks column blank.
6:10
